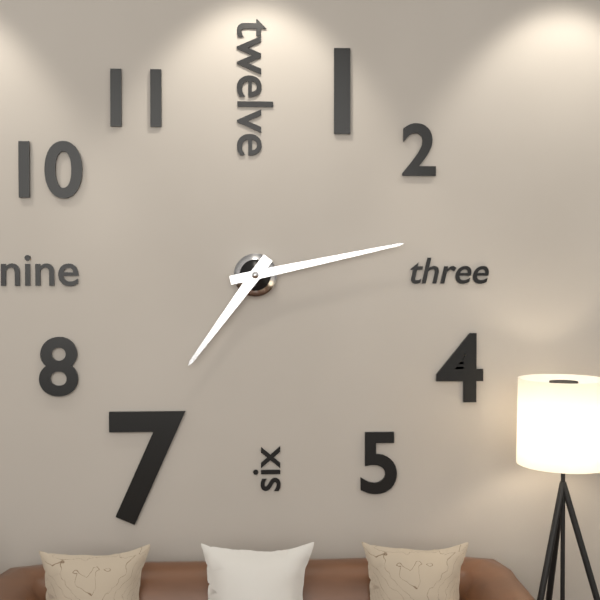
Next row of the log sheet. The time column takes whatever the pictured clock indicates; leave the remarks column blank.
7:13
